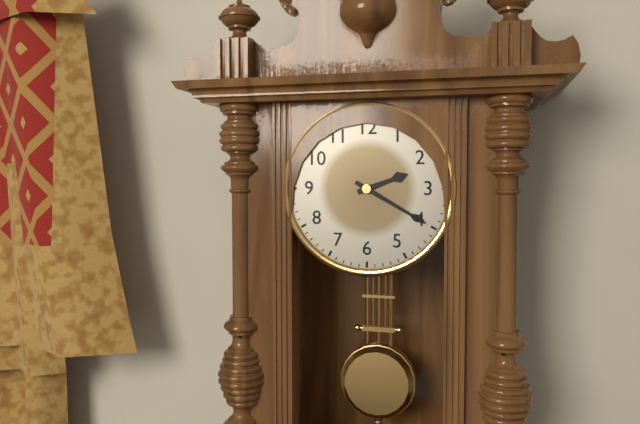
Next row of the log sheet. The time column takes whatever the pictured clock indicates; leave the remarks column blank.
2:20
